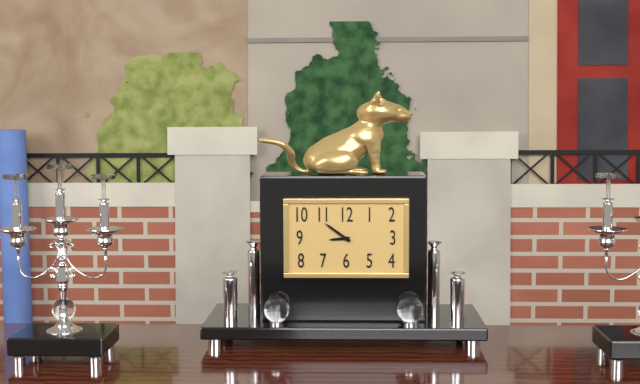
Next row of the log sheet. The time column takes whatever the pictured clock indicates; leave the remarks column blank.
8:51
